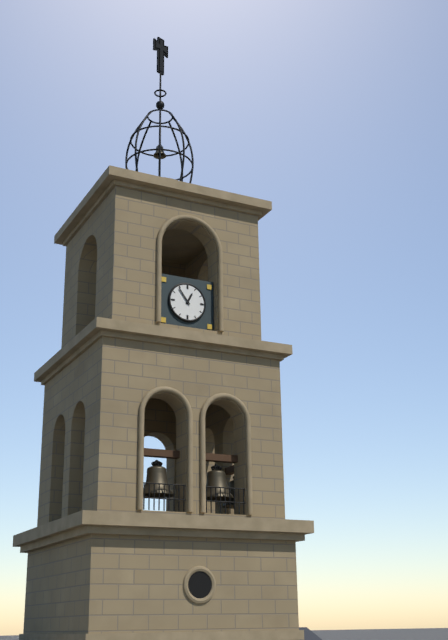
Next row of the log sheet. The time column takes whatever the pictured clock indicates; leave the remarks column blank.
12:54
